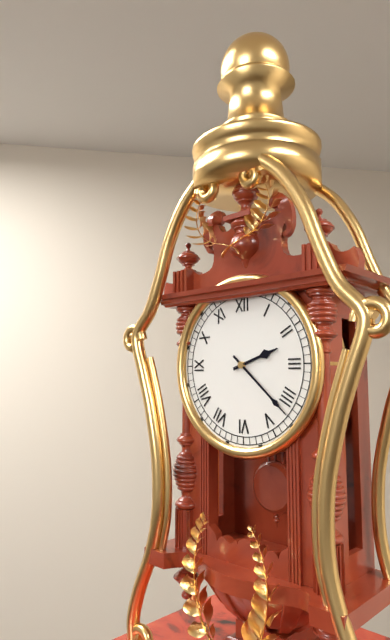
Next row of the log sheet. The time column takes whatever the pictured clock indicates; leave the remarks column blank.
2:22
